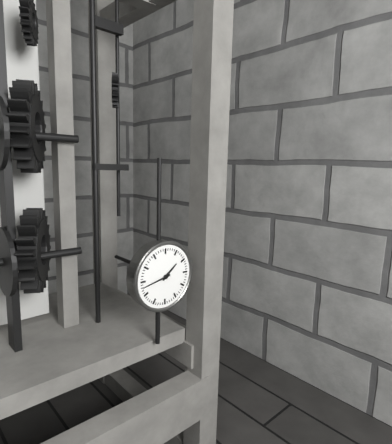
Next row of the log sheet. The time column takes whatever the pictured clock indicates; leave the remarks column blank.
1:43
